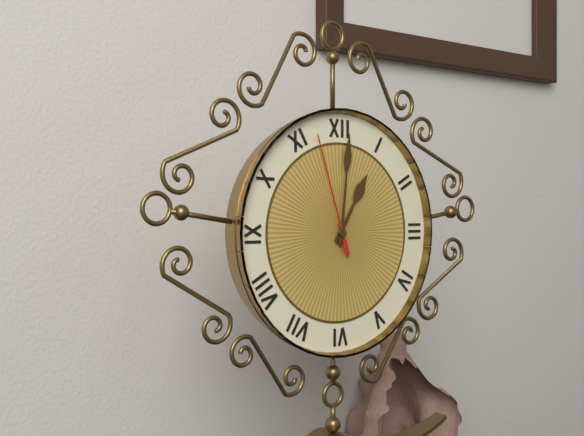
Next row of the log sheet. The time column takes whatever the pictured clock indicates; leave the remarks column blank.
1:01:57
